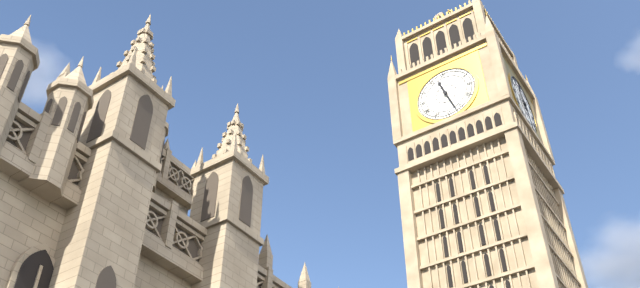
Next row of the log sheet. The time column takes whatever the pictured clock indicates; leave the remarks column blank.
11:27
